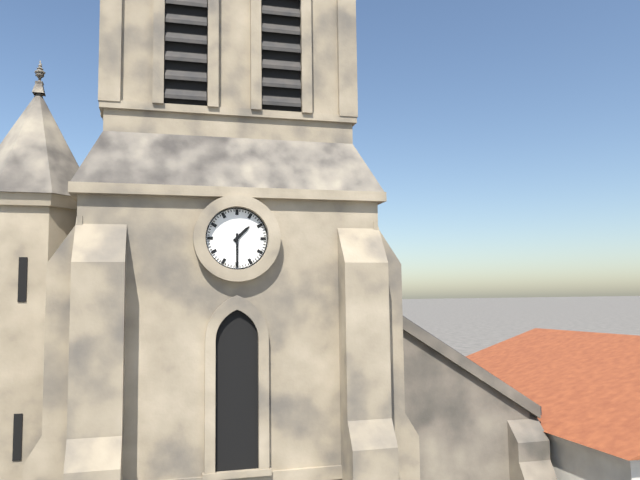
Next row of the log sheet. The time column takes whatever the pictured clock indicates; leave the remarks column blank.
1:30
